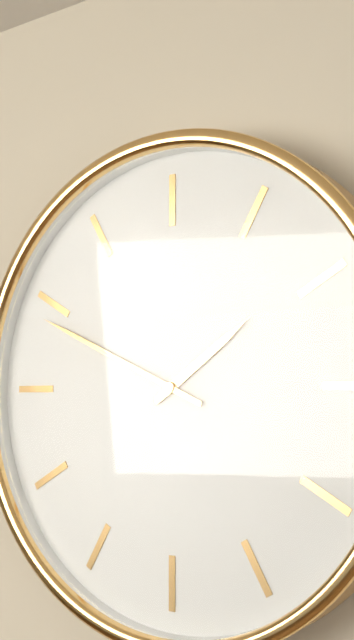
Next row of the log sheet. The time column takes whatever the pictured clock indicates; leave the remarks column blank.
1:49
